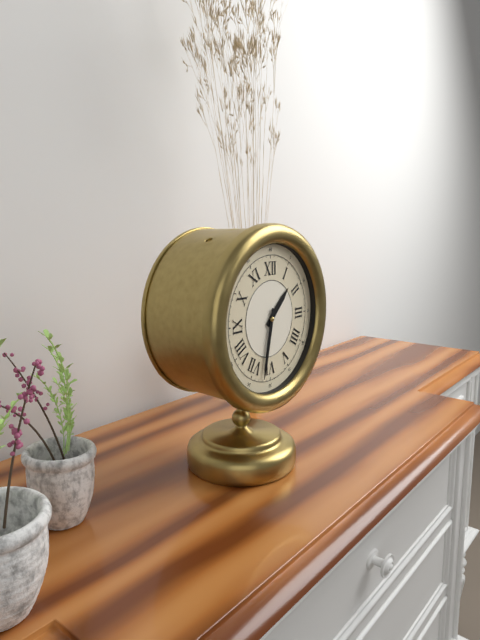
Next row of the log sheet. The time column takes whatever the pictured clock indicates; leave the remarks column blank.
1:32
